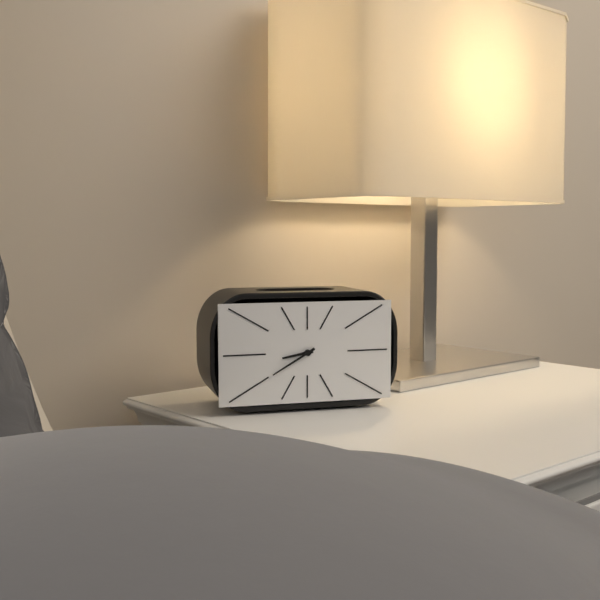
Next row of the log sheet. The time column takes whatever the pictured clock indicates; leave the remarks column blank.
8:40
